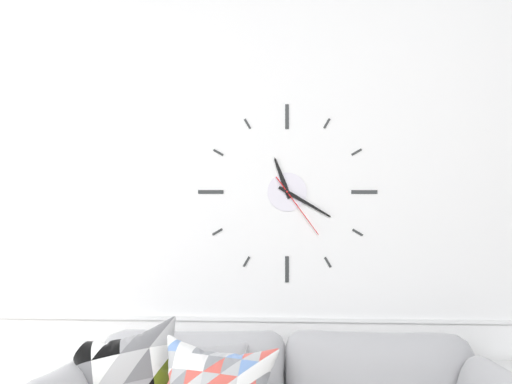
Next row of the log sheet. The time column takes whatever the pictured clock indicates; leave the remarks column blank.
11:20:24
